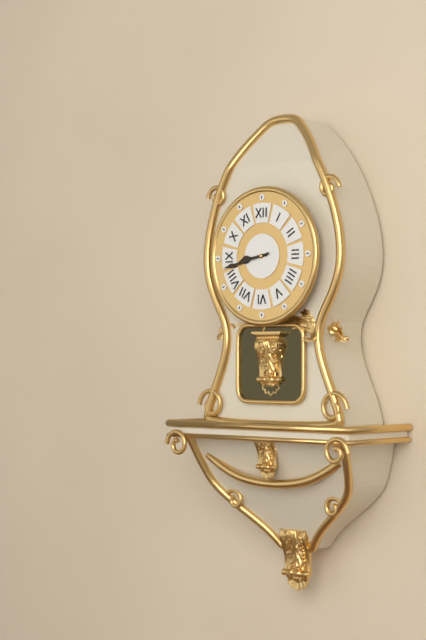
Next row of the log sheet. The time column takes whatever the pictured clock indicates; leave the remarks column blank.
8:43
